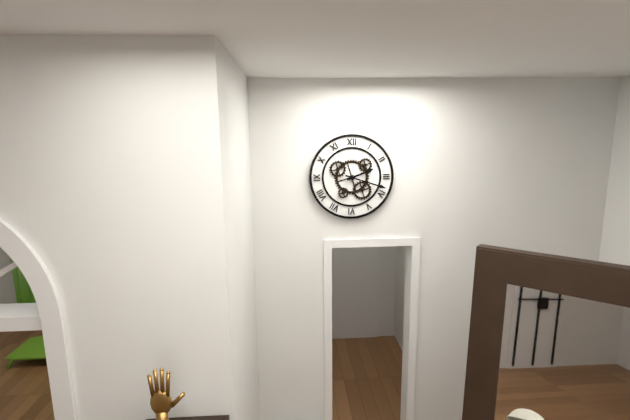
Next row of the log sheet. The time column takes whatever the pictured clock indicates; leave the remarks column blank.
2:18
